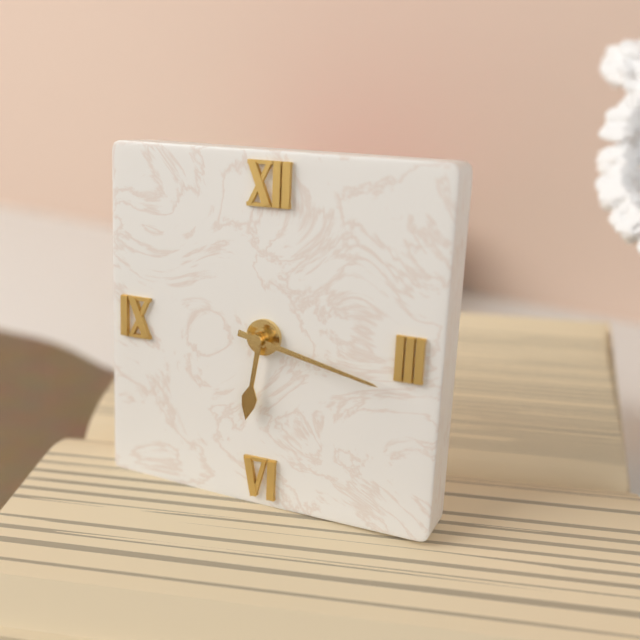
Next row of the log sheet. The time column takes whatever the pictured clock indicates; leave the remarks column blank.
6:17
